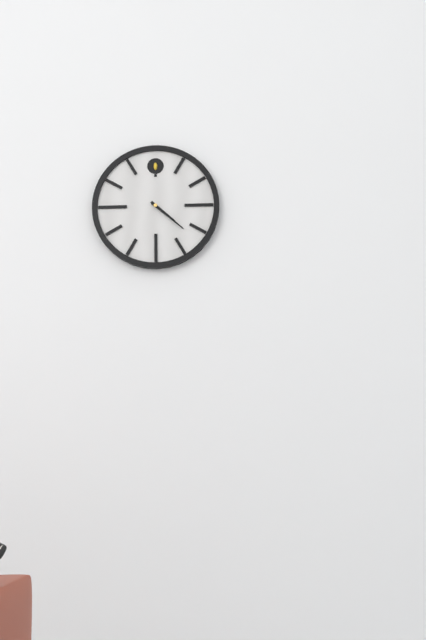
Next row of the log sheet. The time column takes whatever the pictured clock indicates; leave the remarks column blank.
4:22
